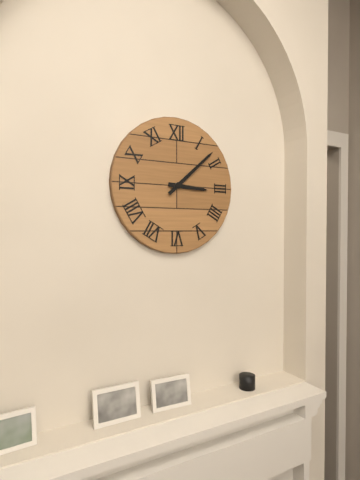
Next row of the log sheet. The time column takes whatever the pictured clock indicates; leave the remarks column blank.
3:08
